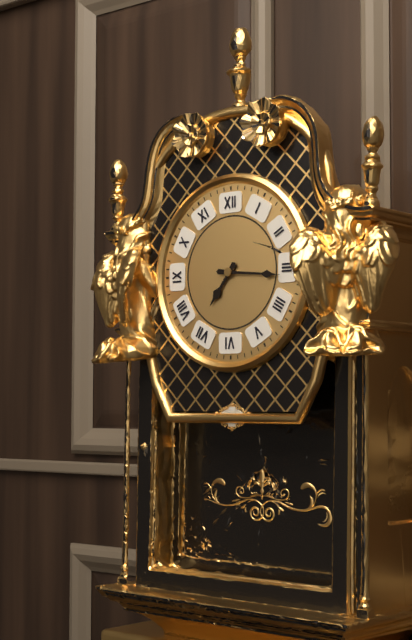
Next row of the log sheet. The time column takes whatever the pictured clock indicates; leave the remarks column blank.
7:16
